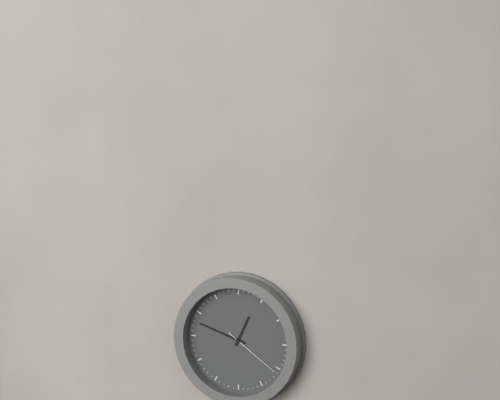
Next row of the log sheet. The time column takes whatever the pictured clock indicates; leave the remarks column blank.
12:48:21
